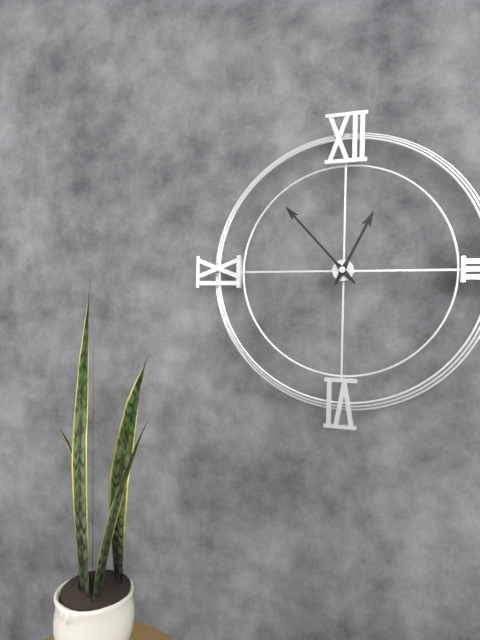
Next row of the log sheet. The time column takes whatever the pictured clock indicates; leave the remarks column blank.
12:53
